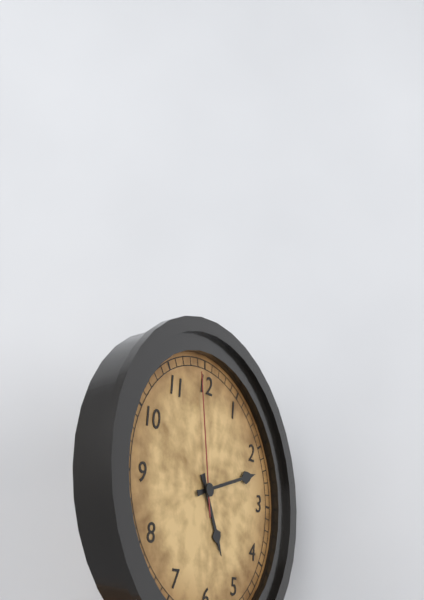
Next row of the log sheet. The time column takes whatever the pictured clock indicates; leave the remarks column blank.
5:12:59
